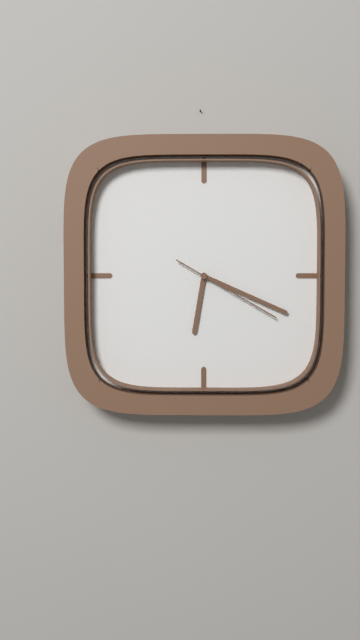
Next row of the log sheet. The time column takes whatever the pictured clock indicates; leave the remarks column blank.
6:19:20
